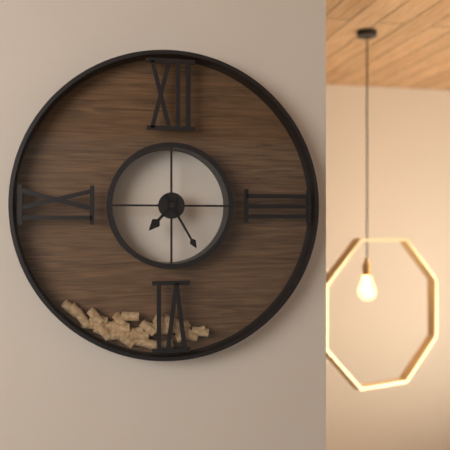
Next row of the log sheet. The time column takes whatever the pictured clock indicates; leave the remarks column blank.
7:25
